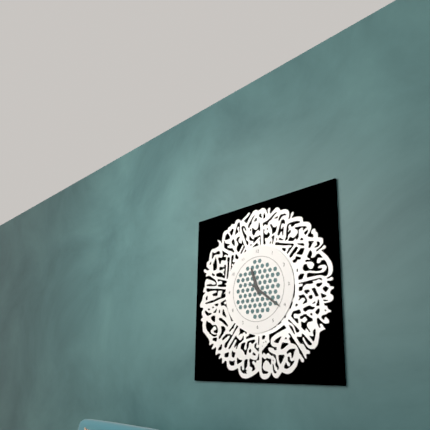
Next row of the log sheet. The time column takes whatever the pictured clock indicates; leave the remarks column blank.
11:21
